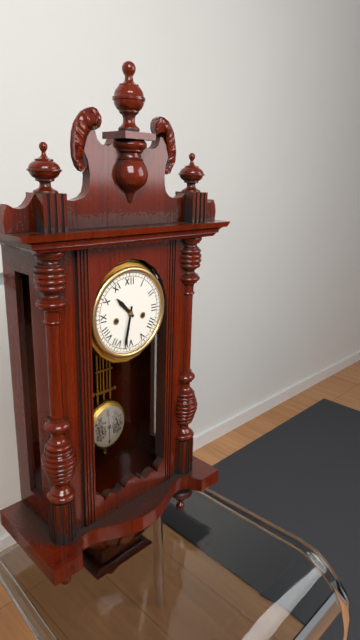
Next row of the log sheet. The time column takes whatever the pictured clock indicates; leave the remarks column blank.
10:32
